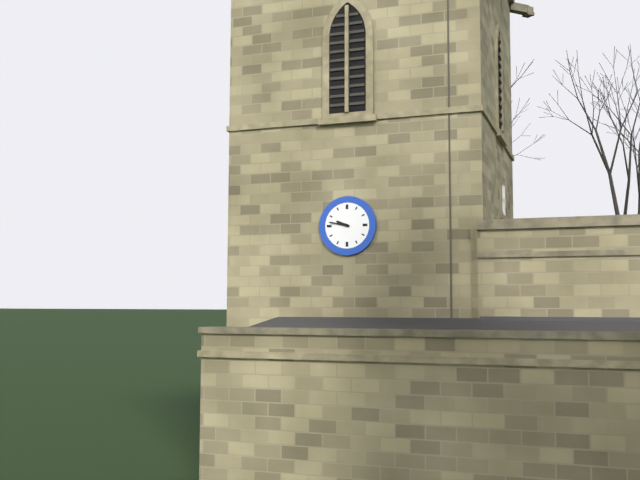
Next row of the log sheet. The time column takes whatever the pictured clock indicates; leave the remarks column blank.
9:47
